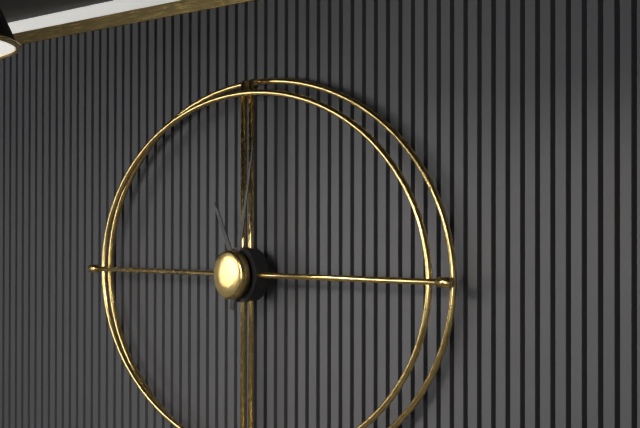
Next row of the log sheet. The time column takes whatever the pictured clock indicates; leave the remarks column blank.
11:02
